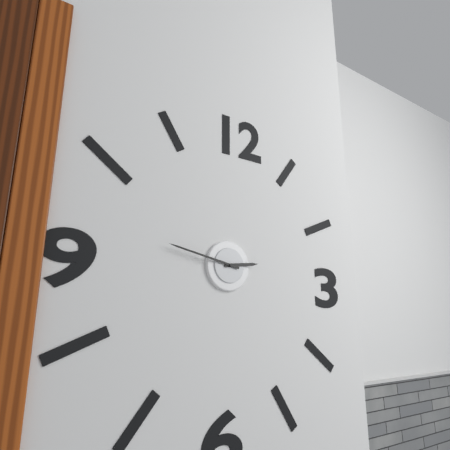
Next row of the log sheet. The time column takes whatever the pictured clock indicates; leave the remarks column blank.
2:47
